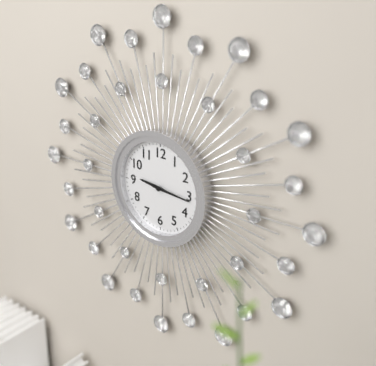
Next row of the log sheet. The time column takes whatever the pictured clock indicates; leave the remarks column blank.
9:16
